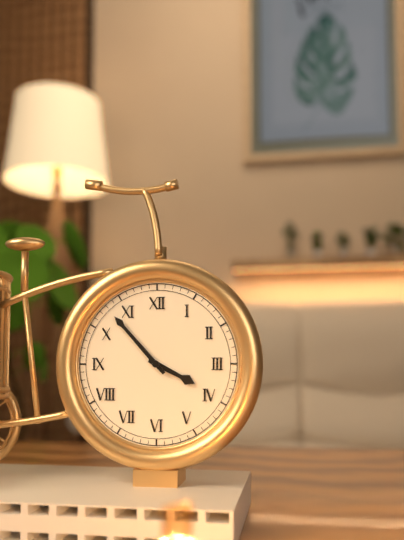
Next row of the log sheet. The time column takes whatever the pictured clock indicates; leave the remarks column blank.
3:53
